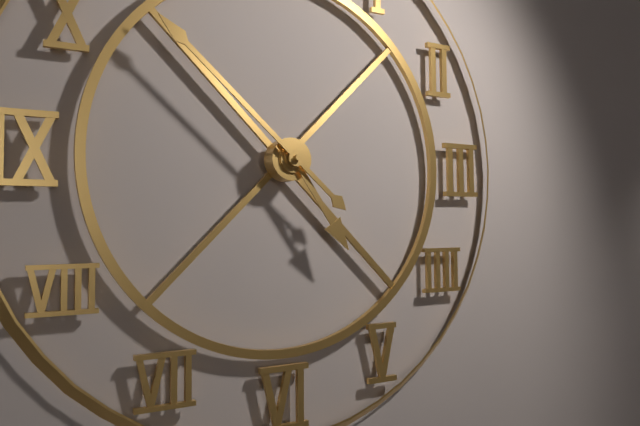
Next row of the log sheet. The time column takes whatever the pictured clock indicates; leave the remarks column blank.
4:52
